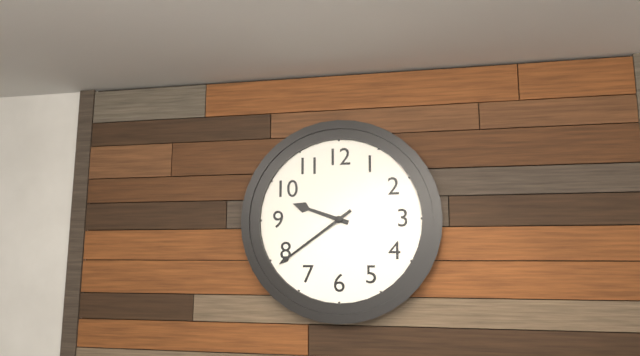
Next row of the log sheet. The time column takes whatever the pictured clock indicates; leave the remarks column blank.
9:39
